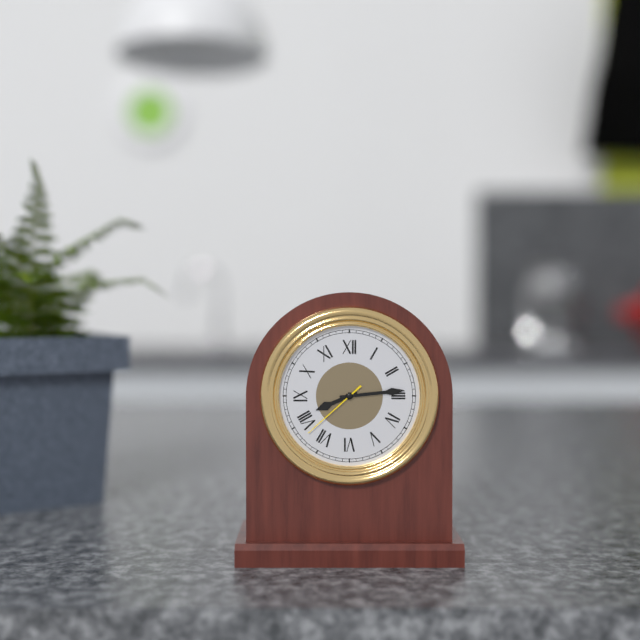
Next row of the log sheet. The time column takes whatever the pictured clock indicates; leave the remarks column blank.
8:14:38
